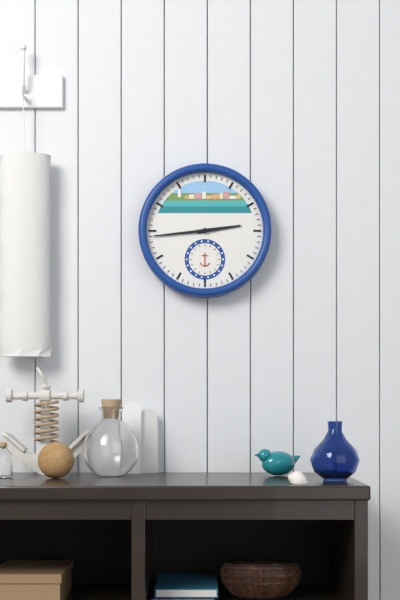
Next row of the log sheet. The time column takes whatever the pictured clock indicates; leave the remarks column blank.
2:44
